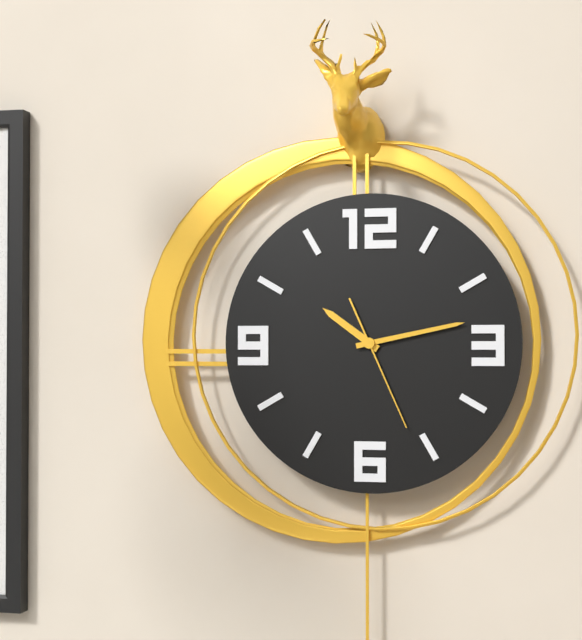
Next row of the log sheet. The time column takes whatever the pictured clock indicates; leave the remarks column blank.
10:13:26
